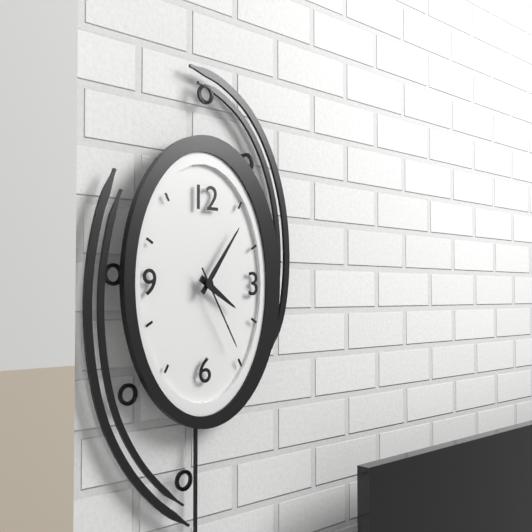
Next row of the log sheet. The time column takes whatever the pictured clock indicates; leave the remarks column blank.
4:06:25
